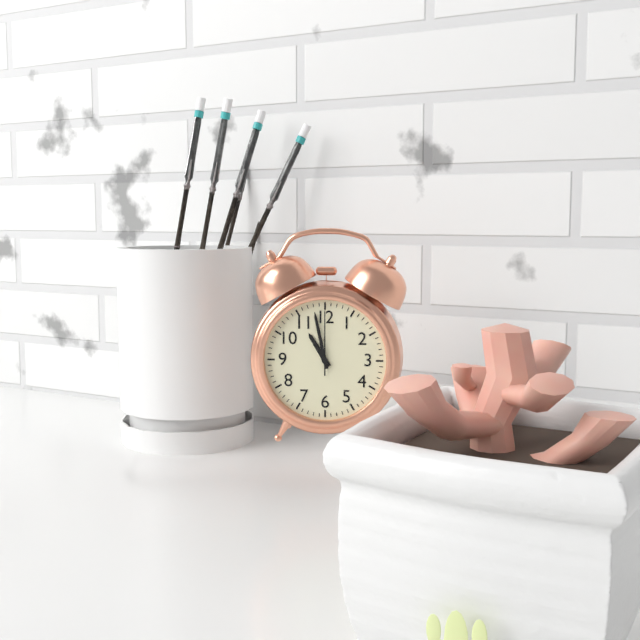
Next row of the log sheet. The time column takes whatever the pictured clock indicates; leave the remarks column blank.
10:58:00
